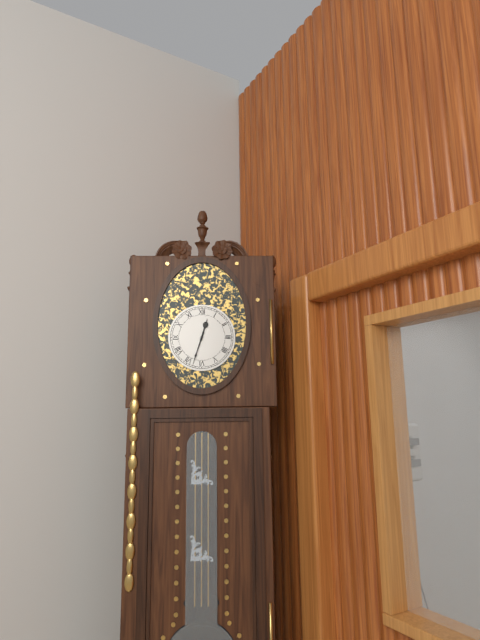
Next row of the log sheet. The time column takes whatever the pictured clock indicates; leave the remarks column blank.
12:33
